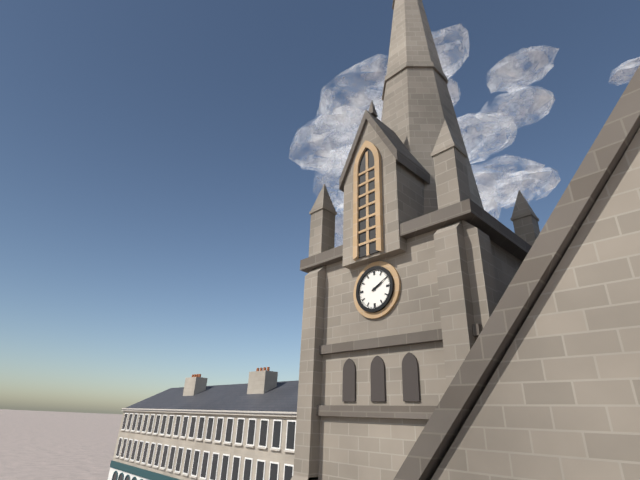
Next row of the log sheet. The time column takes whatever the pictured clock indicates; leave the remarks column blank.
2:10
